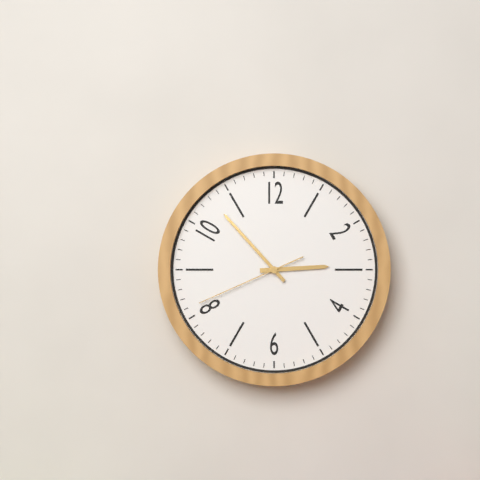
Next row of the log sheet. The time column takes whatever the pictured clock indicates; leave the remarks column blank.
2:53:41
